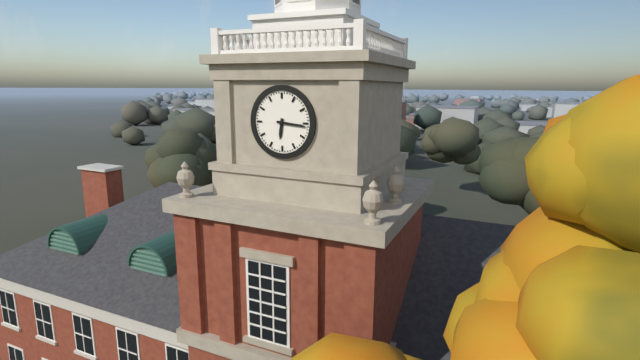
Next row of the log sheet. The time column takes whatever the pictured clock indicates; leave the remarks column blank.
6:16
